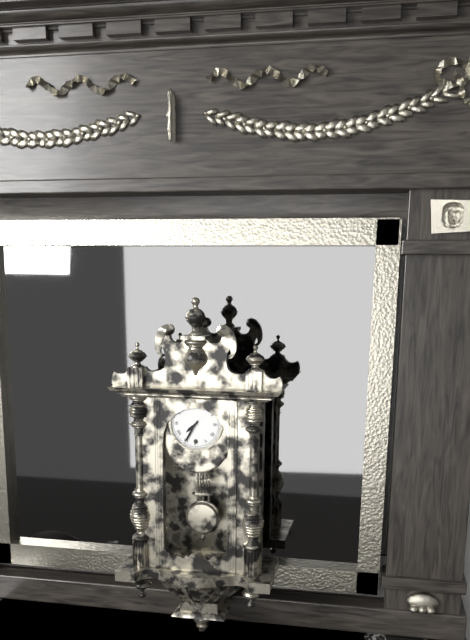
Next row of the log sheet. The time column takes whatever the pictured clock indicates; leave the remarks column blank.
7:35
